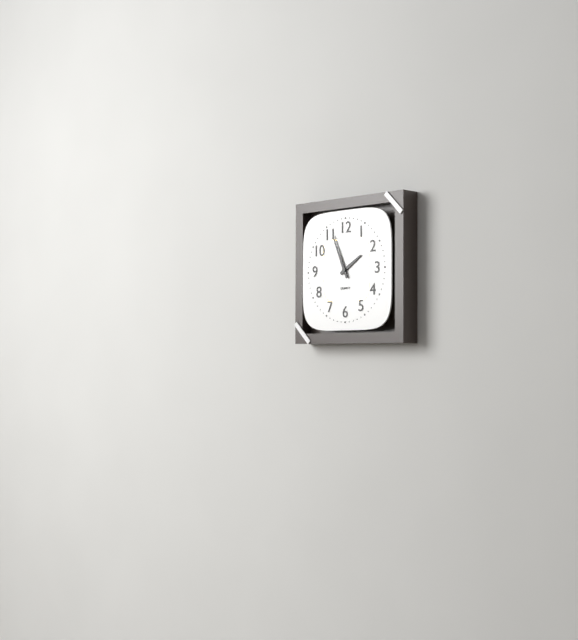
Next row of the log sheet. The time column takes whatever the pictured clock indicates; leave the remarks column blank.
1:56
